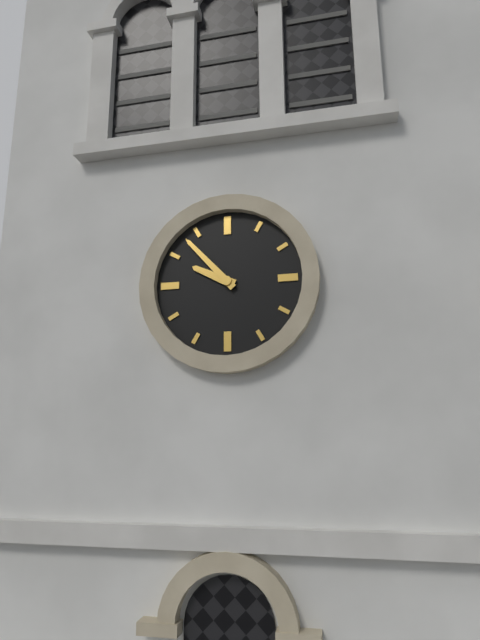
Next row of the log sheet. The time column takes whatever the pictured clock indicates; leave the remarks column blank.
9:53
